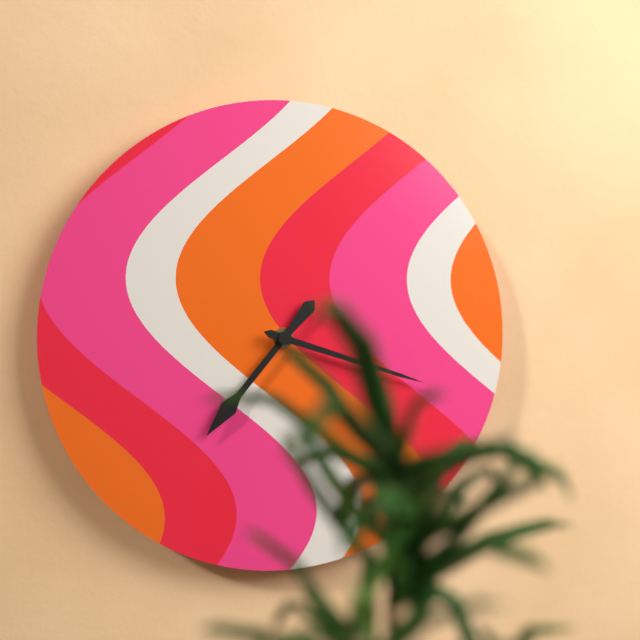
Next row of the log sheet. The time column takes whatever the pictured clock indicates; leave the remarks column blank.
7:18
